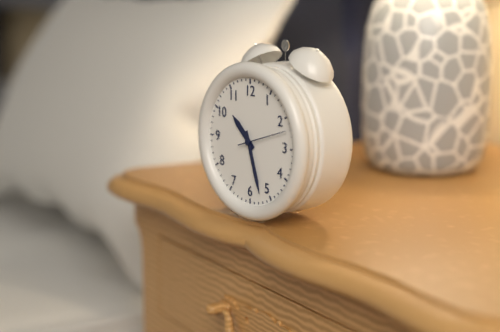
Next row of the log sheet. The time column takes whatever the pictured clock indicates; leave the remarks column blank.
10:27
